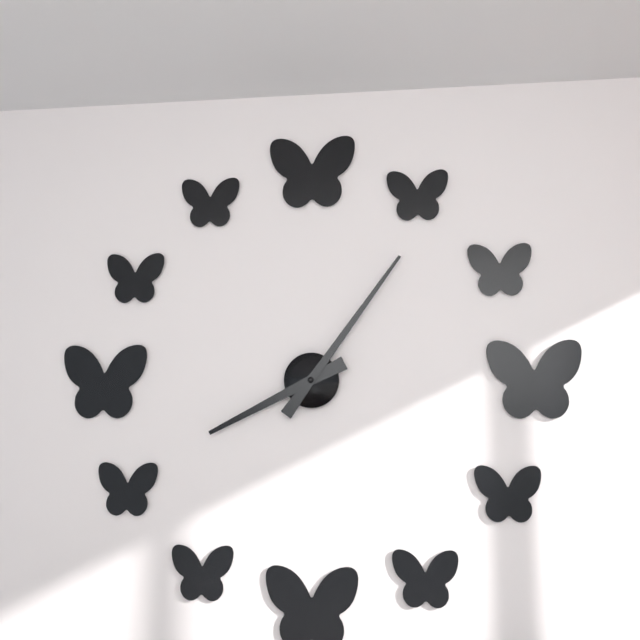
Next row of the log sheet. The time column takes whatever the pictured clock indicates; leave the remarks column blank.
8:06
